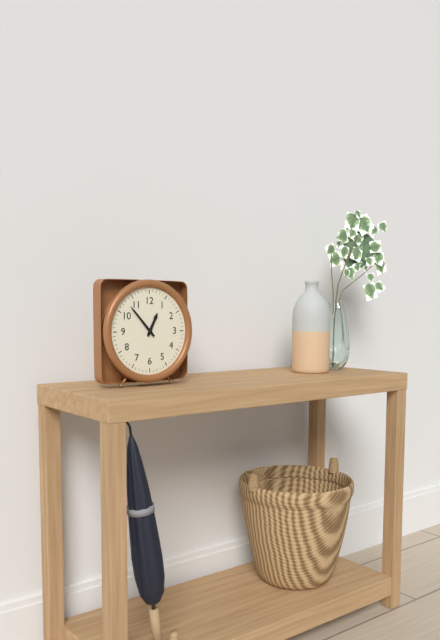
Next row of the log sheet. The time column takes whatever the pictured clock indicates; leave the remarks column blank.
12:53
